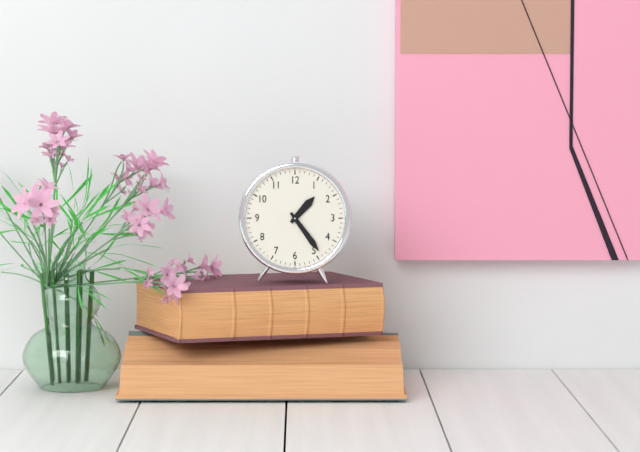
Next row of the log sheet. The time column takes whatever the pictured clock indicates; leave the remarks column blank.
1:24
